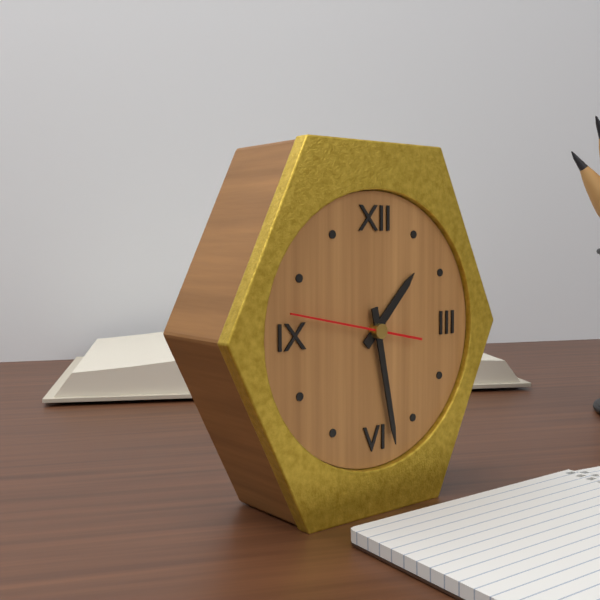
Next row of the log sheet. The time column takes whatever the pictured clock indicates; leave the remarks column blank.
1:28:47
